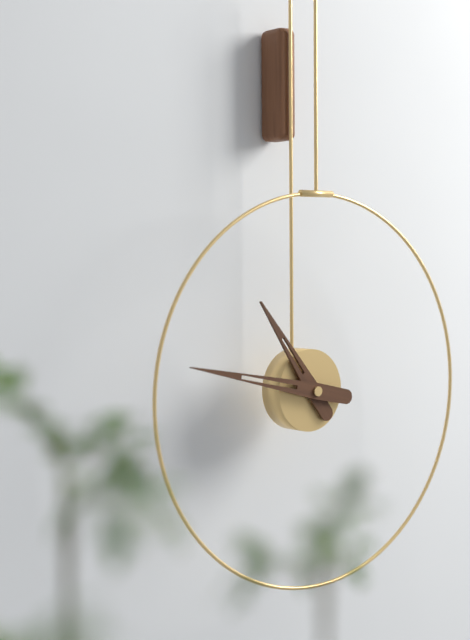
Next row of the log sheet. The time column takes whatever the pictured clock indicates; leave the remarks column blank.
10:47
